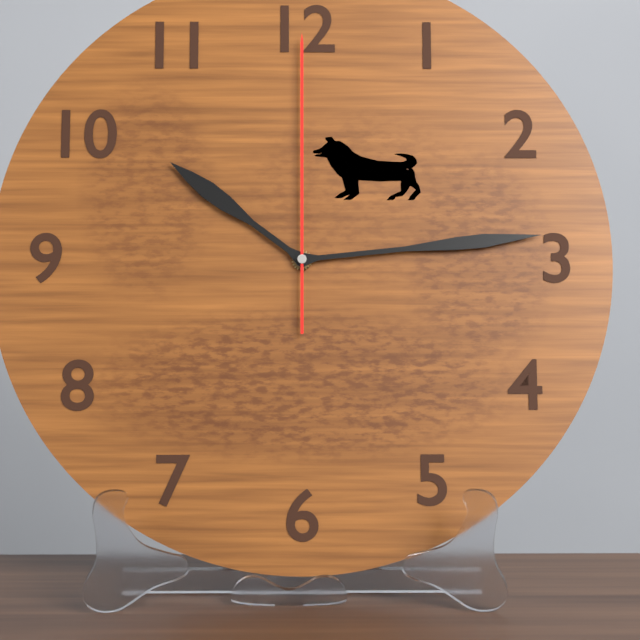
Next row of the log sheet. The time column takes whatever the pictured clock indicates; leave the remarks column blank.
10:14:00
